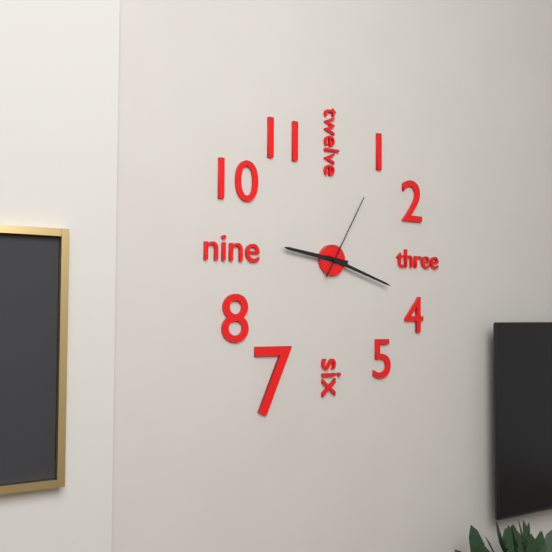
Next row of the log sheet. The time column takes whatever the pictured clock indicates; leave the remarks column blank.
9:18:05
